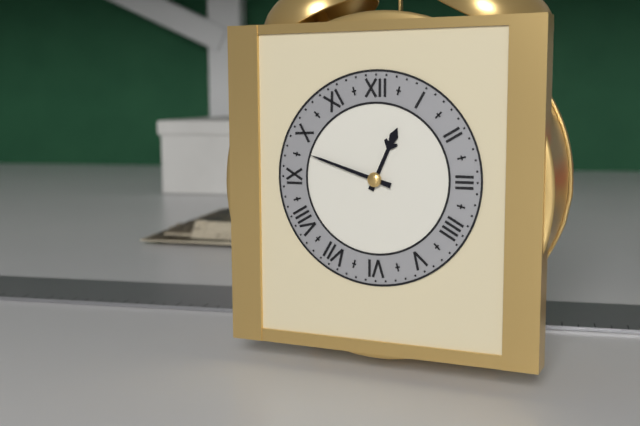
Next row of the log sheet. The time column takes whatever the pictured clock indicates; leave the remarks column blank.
12:48
